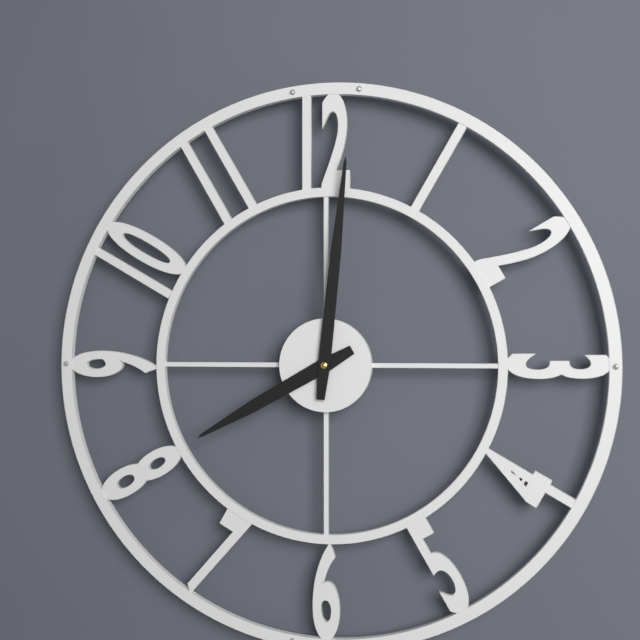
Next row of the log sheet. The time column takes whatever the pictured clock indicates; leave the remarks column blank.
8:01
